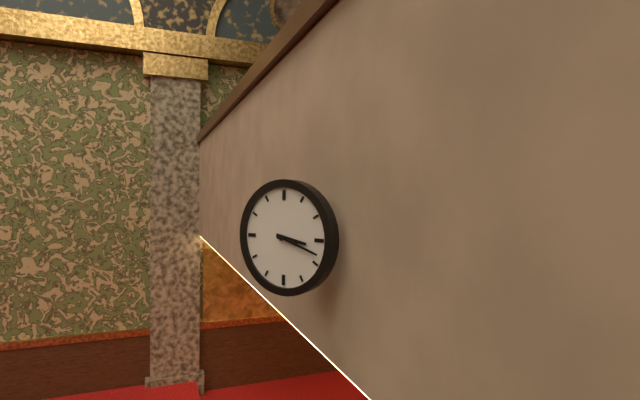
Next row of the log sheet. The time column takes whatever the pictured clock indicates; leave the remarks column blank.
3:18
